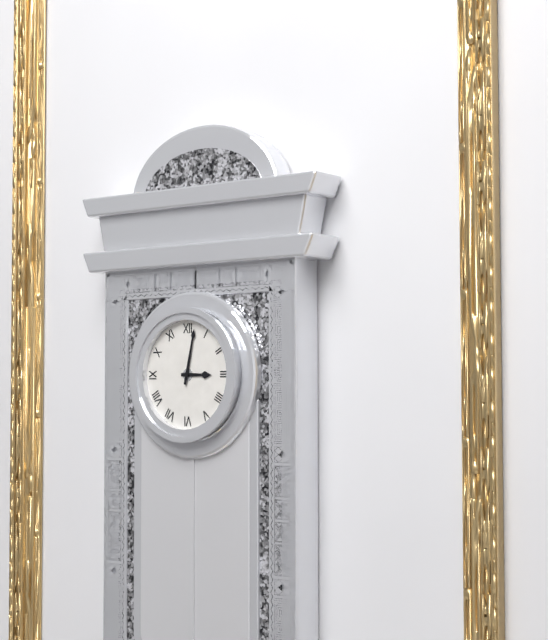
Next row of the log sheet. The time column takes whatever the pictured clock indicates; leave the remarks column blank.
3:02
